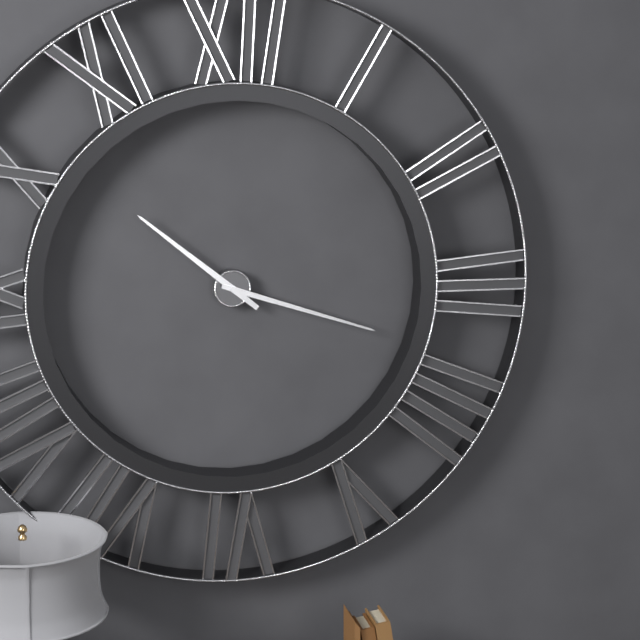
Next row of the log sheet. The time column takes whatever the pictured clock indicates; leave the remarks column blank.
10:18
